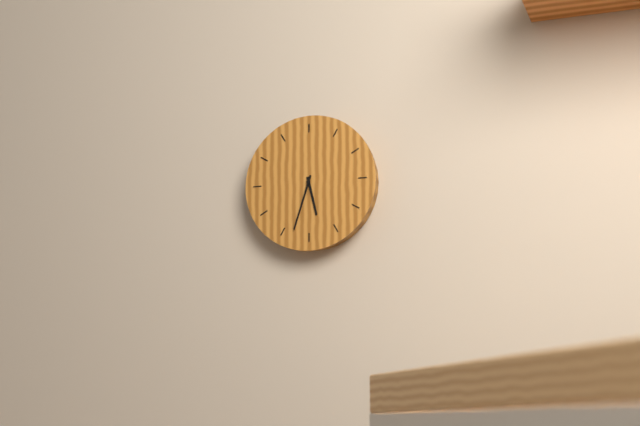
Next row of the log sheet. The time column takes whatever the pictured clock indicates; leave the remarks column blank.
5:33
